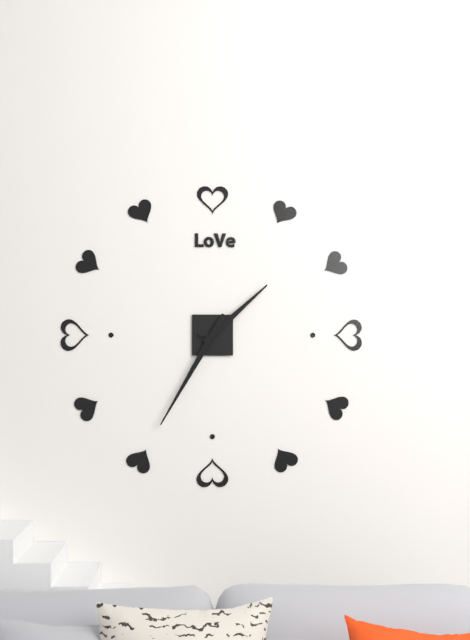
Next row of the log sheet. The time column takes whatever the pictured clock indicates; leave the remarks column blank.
1:35
